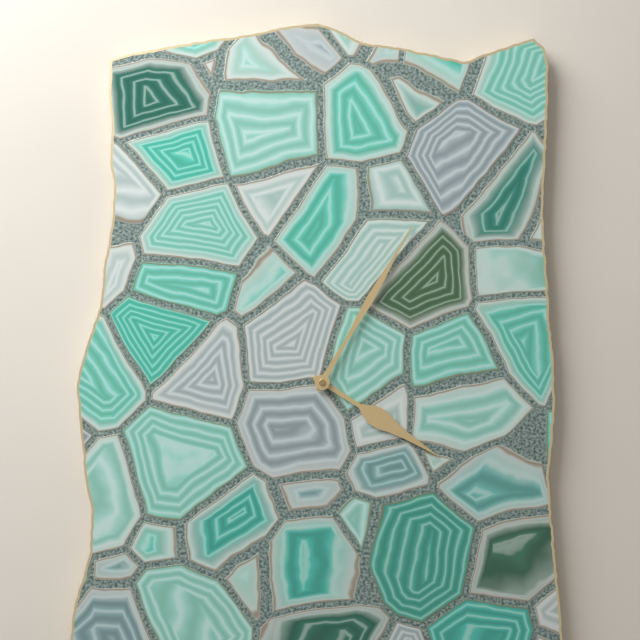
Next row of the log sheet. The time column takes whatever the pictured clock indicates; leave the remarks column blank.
4:05
